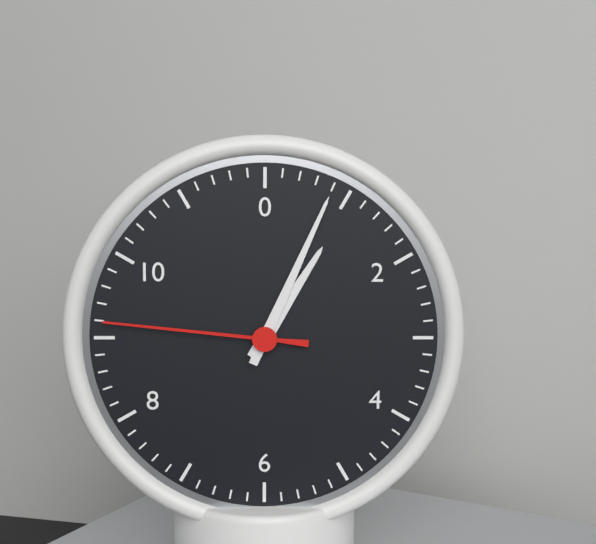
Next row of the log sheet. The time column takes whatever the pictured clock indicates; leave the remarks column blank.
1:04:46
